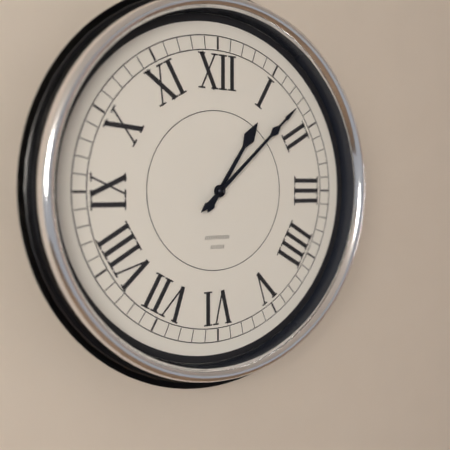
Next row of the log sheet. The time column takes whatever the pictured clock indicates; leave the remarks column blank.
1:08
